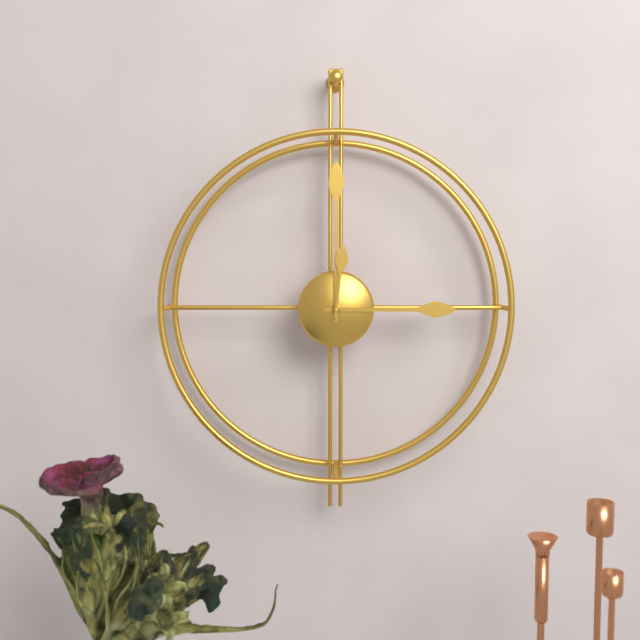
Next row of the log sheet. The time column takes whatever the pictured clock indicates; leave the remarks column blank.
3:00:01
